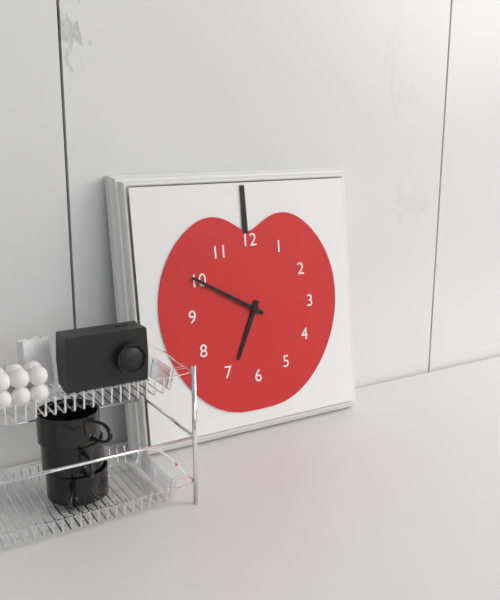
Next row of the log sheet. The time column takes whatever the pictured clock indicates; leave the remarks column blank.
6:50
